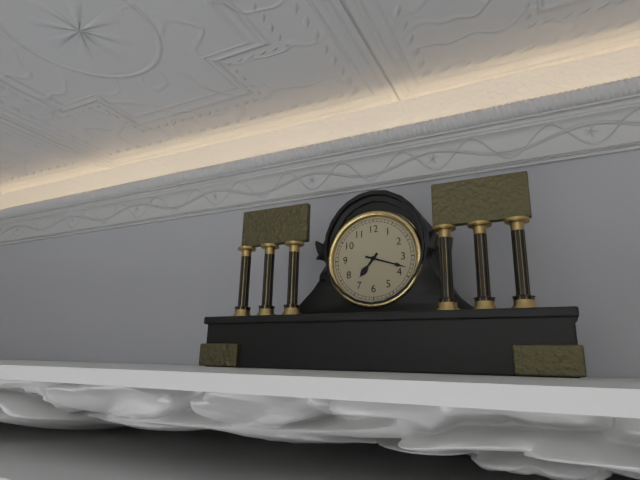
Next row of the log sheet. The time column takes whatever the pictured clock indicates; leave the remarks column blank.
7:18
